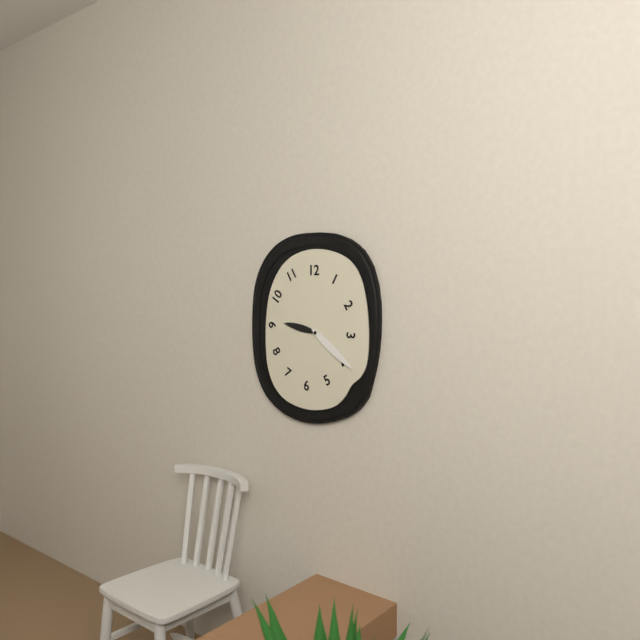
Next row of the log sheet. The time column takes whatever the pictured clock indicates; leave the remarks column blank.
9:21
